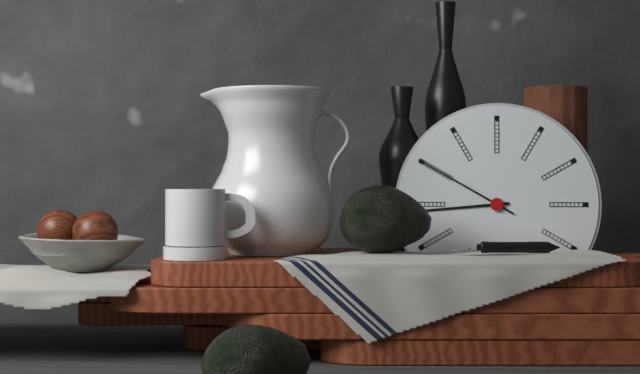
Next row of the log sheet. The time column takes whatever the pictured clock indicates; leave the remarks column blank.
8:50
